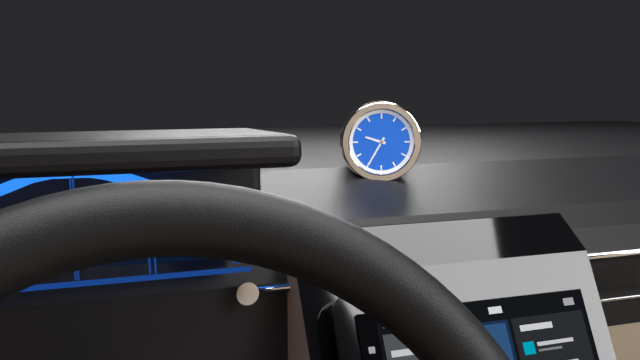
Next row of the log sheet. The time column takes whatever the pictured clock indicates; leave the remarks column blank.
9:35
